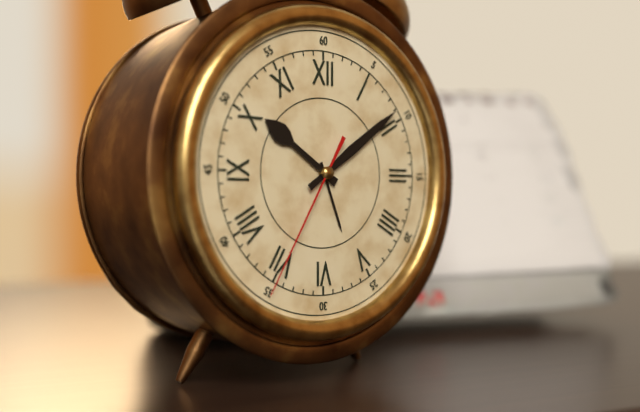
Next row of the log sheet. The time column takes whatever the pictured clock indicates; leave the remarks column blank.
10:09:35
